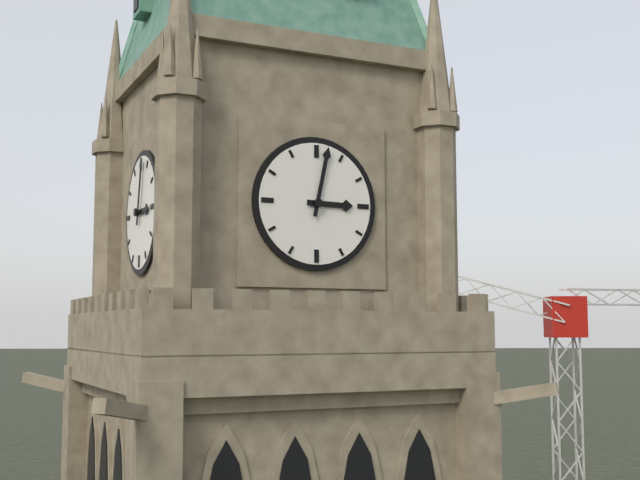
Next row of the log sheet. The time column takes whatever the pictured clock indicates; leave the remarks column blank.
3:02
